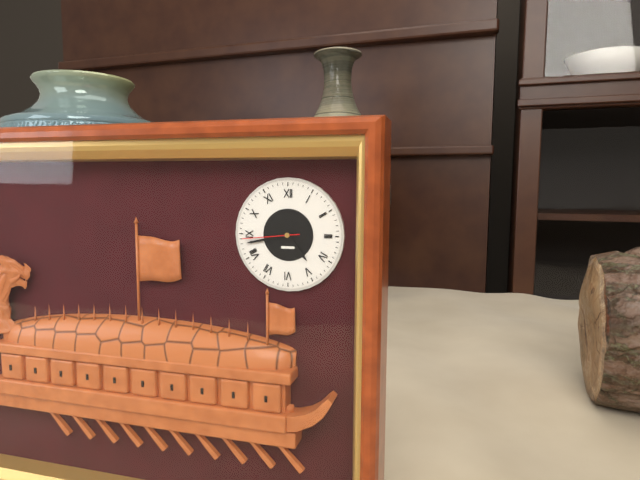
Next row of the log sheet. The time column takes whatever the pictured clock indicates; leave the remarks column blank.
4:43:44
